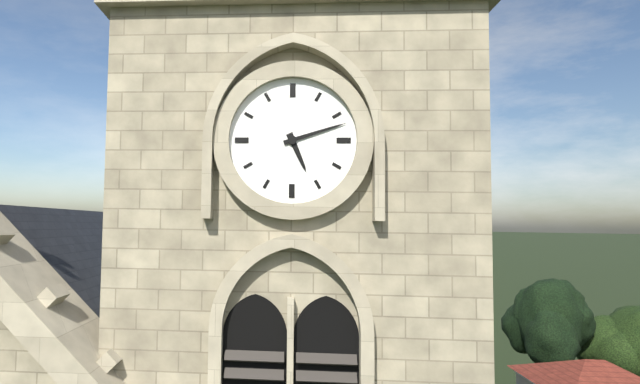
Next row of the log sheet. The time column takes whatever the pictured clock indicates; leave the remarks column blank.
5:12
